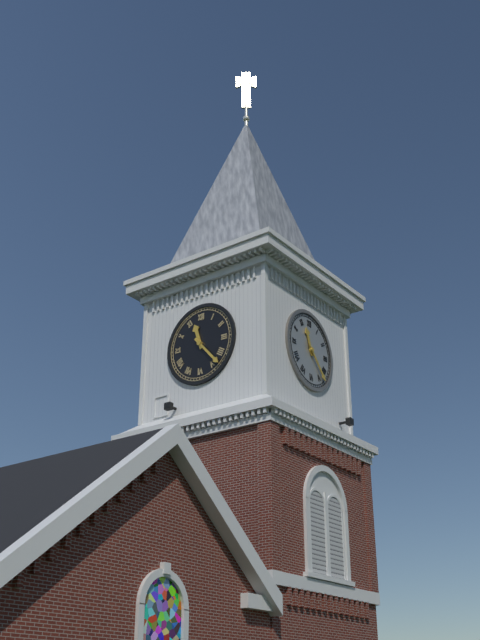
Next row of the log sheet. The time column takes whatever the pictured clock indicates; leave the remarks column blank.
11:23
